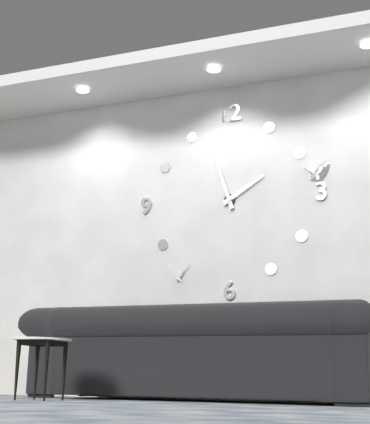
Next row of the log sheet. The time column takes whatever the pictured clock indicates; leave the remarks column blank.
1:57
